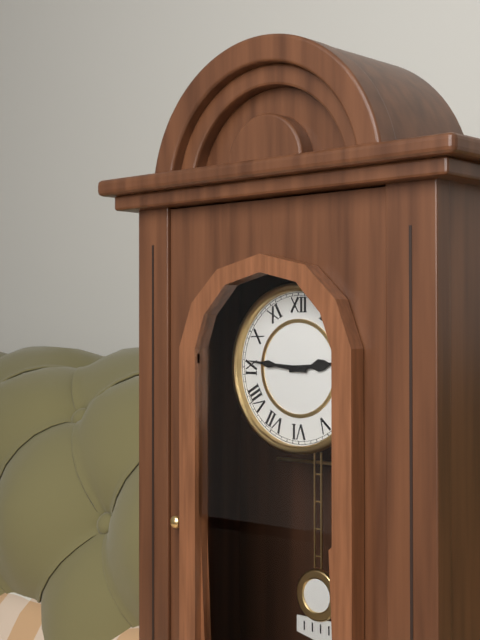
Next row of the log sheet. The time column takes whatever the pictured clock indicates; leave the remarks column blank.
2:46
